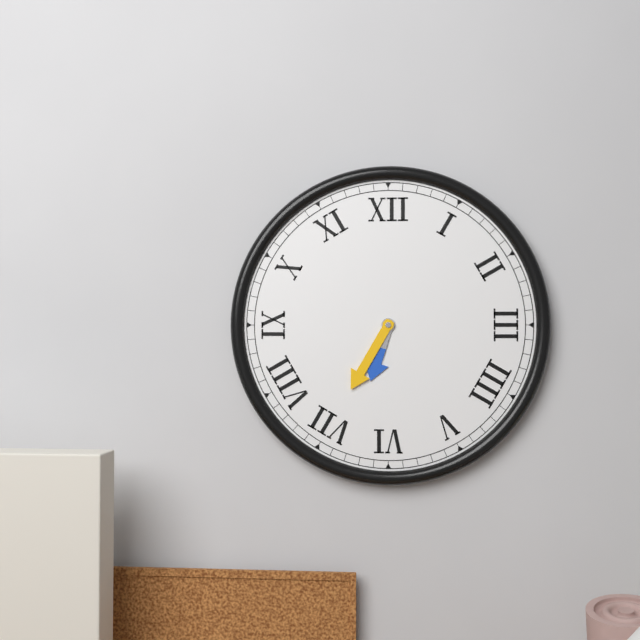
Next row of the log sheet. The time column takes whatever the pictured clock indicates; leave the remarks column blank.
6:35
